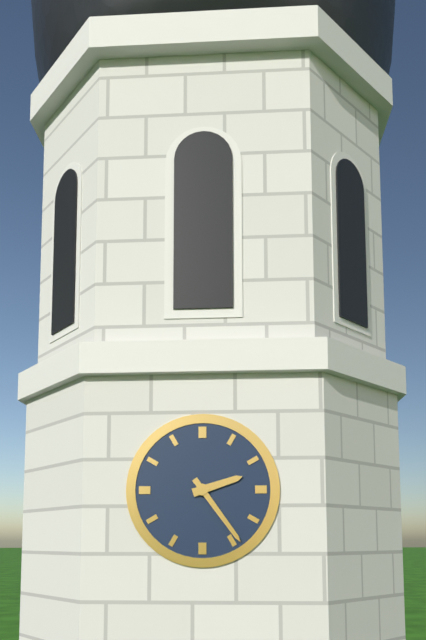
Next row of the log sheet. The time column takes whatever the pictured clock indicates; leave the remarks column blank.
2:24
